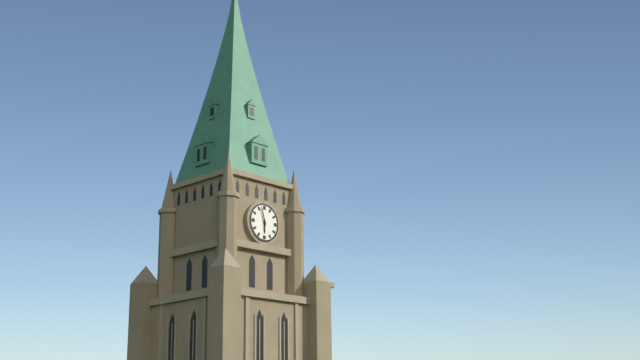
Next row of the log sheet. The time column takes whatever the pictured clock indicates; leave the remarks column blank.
5:57
